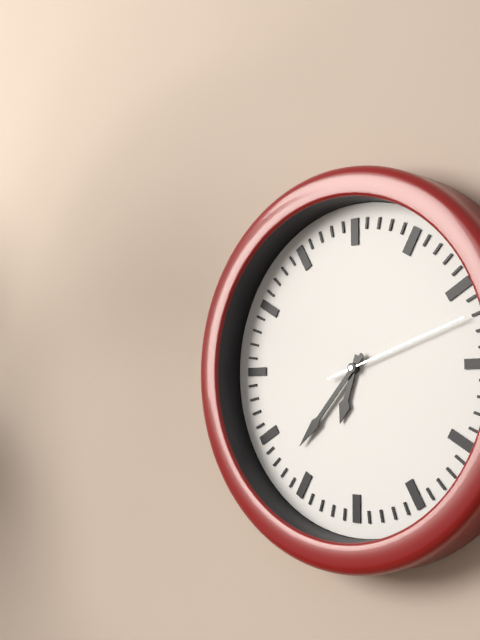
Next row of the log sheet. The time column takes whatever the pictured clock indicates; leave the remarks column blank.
6:37:12
